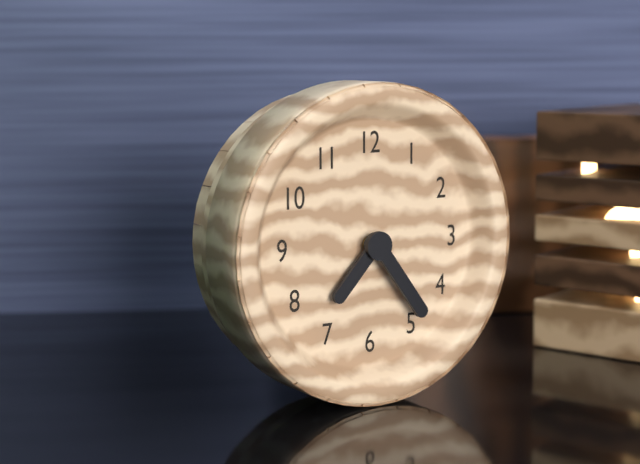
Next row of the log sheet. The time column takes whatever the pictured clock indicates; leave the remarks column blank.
7:24
